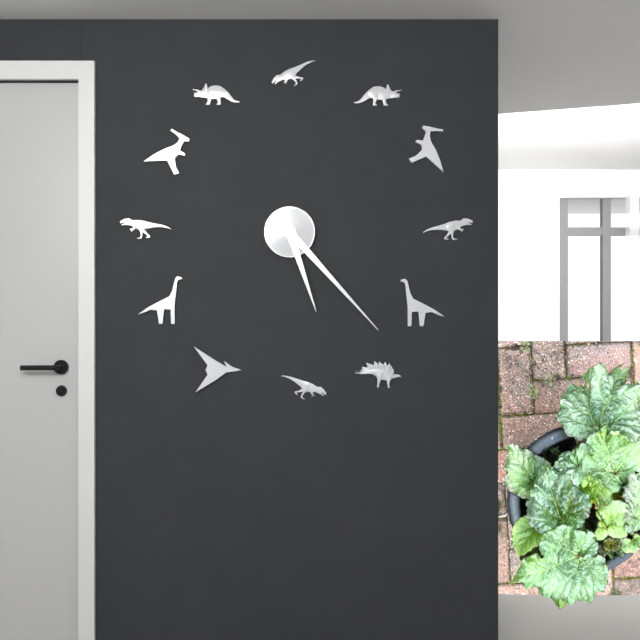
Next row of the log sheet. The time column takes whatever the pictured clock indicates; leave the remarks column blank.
5:23
